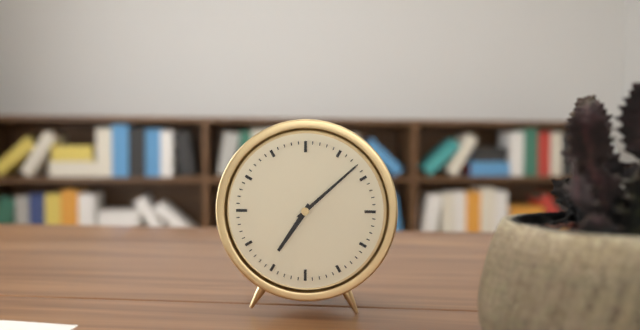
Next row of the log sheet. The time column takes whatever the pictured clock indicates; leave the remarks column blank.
7:08
